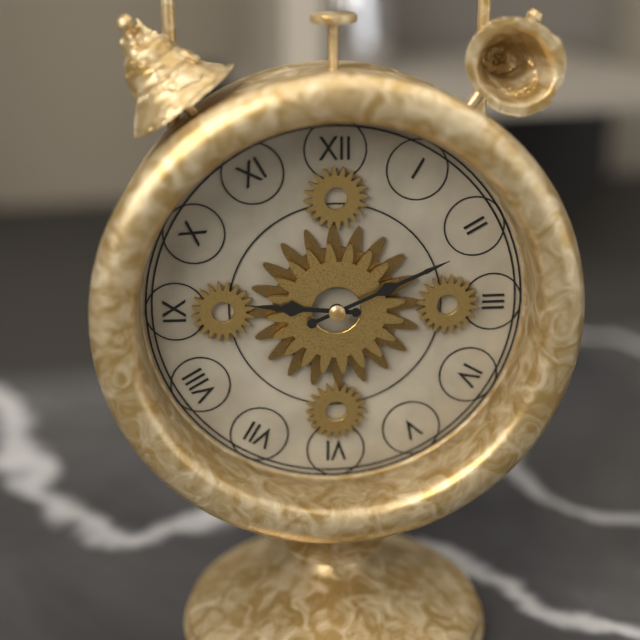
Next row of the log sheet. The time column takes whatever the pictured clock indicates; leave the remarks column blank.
9:11
